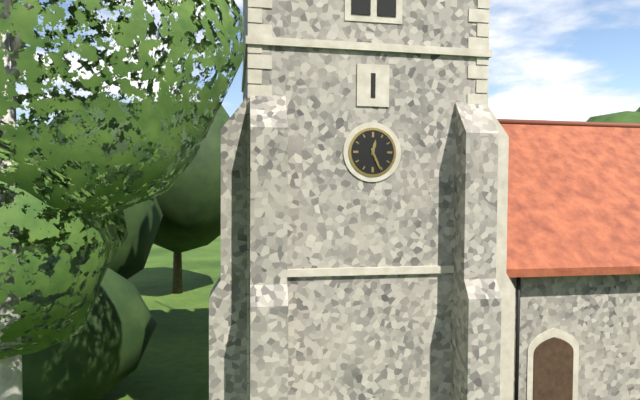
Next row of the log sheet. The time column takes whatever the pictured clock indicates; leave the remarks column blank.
12:26
